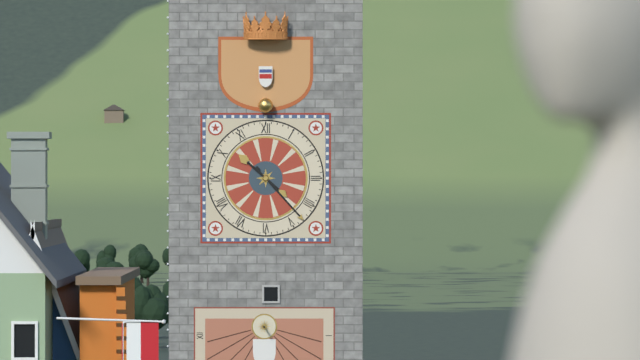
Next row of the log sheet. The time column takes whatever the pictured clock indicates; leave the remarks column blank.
10:23
